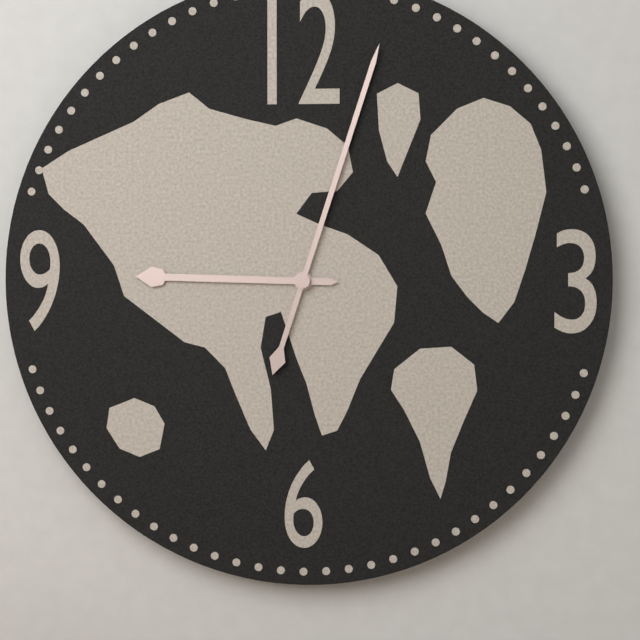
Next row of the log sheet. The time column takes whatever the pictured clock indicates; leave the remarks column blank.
9:03
